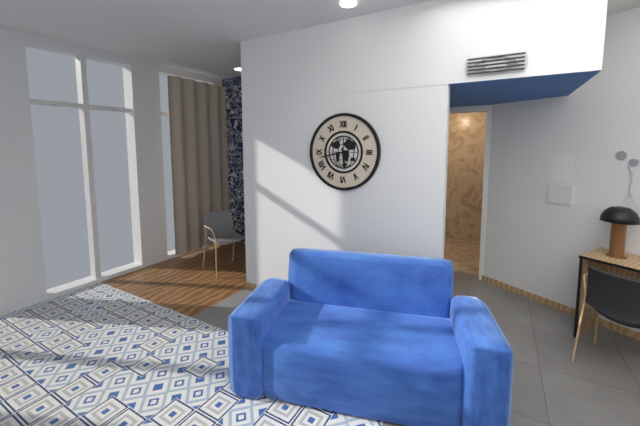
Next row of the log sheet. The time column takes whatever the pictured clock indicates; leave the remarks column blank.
5:43
